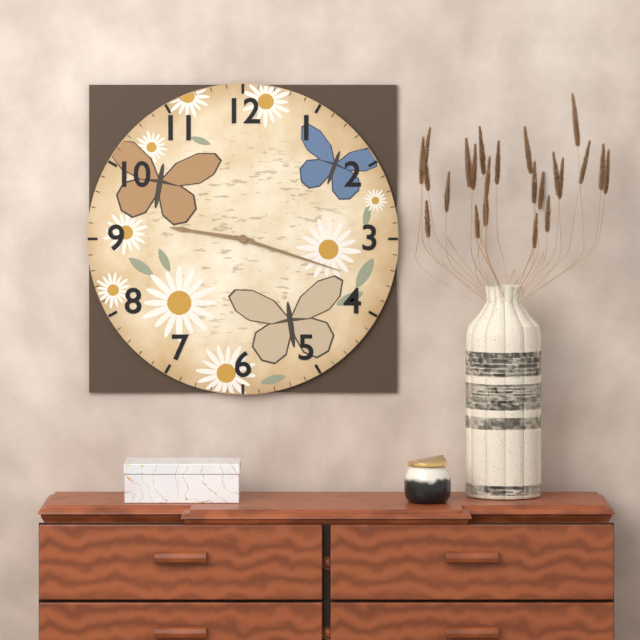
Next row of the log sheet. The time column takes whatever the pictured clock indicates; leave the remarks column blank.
9:18
